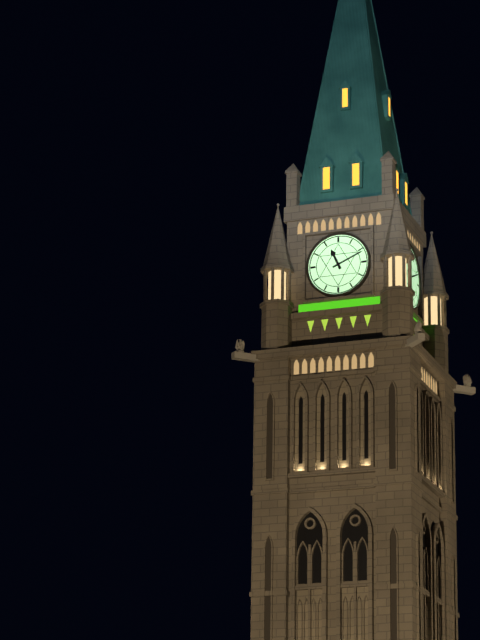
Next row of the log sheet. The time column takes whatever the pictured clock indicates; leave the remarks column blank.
11:11
